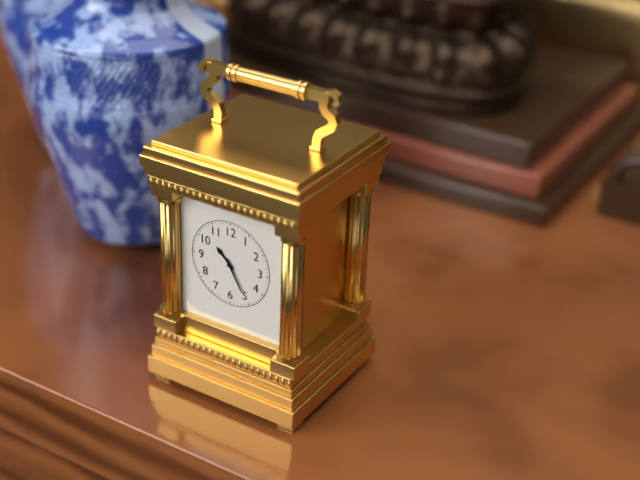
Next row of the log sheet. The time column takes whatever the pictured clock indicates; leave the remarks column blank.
10:25
